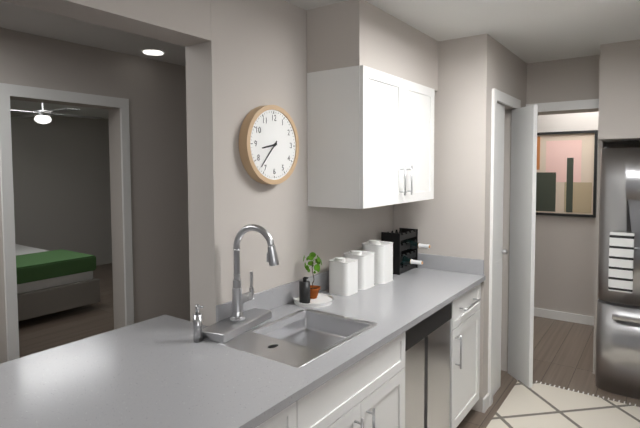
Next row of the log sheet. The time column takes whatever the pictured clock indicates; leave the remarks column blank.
8:37
